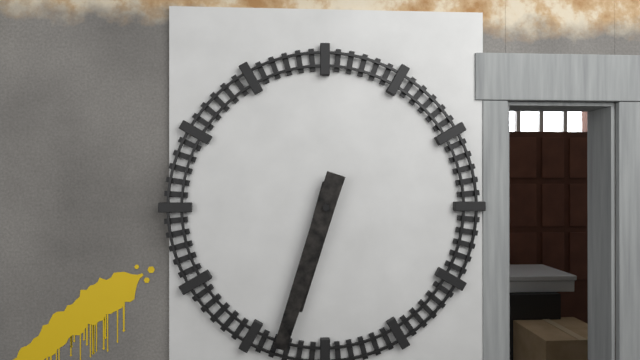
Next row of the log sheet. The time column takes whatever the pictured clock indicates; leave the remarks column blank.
6:33
